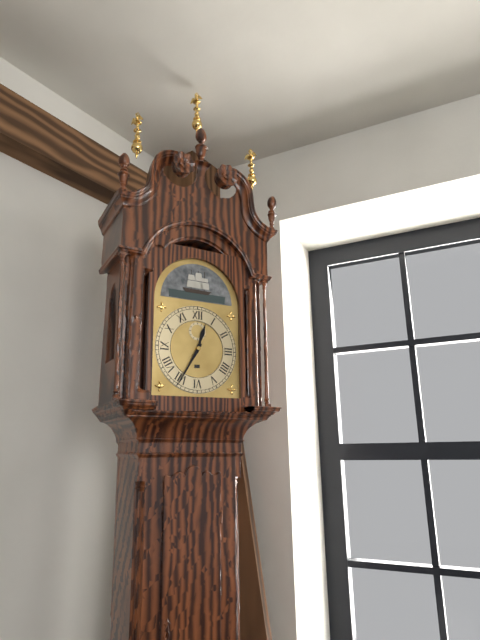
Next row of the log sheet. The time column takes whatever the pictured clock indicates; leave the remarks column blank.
12:35
